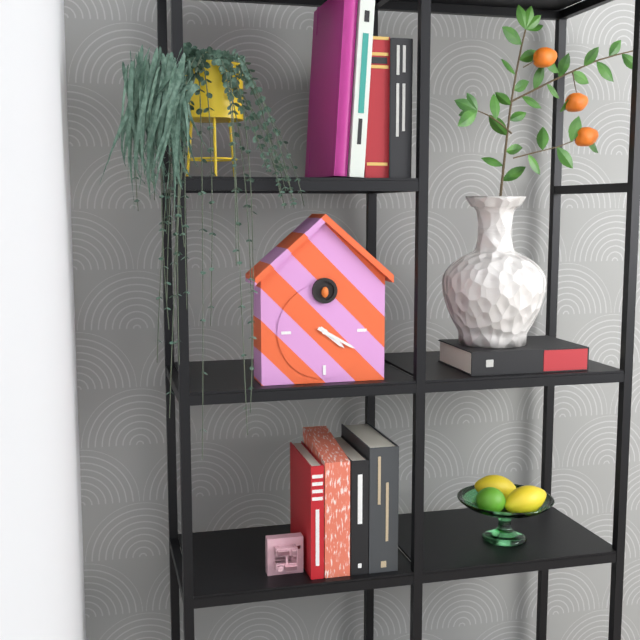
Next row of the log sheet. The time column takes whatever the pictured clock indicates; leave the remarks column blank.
4:20
